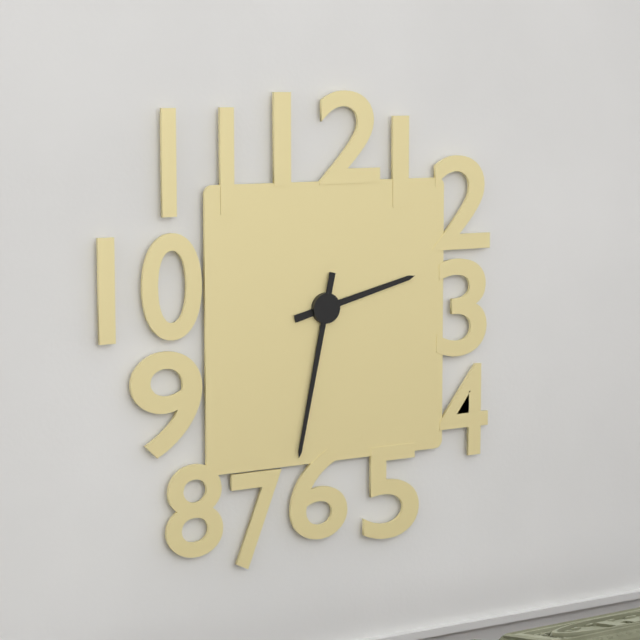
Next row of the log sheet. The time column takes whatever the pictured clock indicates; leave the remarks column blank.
2:32
